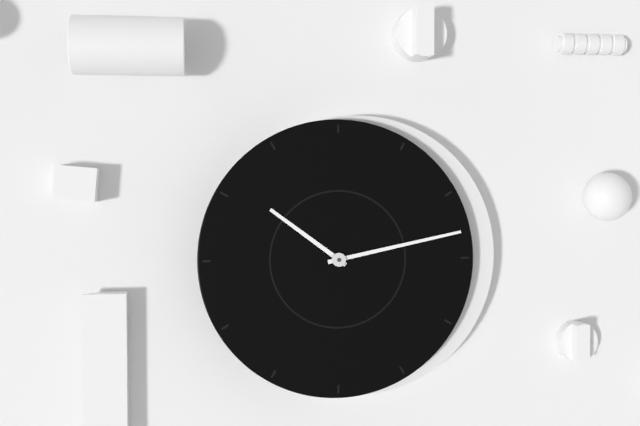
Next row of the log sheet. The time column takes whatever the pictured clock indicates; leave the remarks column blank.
10:13
